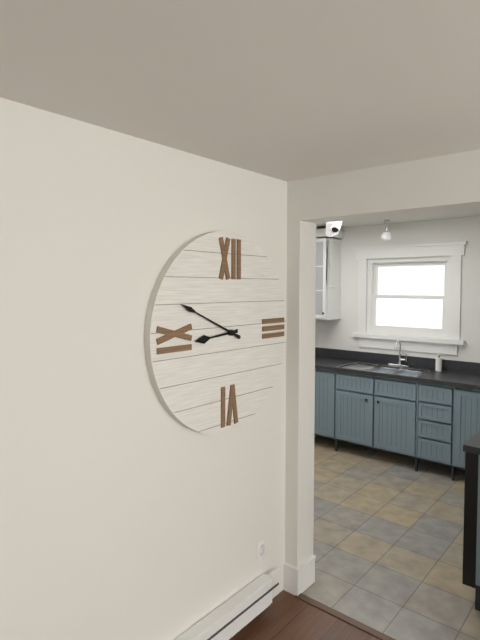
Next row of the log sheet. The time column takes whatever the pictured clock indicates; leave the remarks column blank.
8:49
